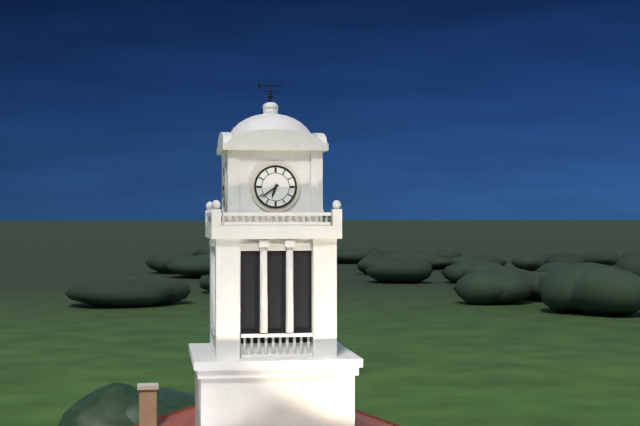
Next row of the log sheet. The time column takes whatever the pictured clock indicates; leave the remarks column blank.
6:39
